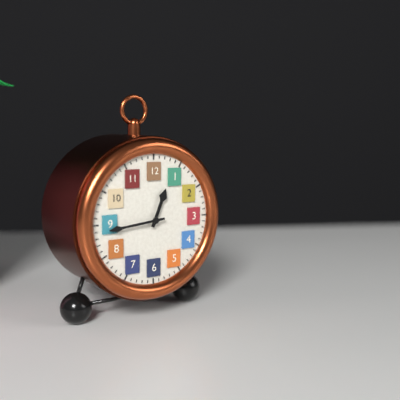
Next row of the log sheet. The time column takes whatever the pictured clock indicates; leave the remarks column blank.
12:44
